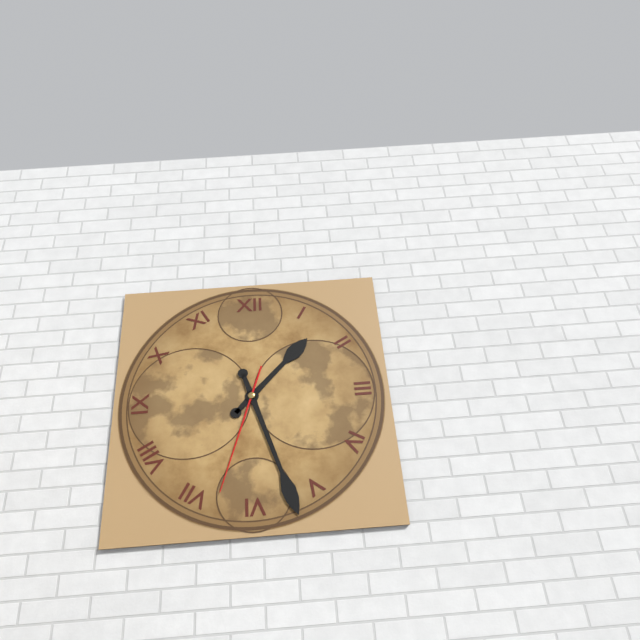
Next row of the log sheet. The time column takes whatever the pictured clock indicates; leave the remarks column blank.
1:27:33
